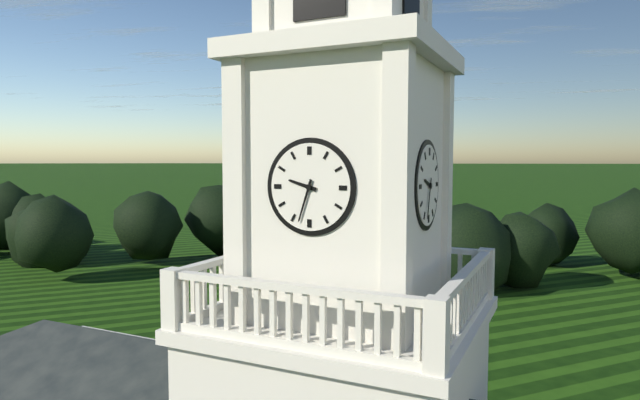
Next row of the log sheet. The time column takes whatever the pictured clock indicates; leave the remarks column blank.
9:33
